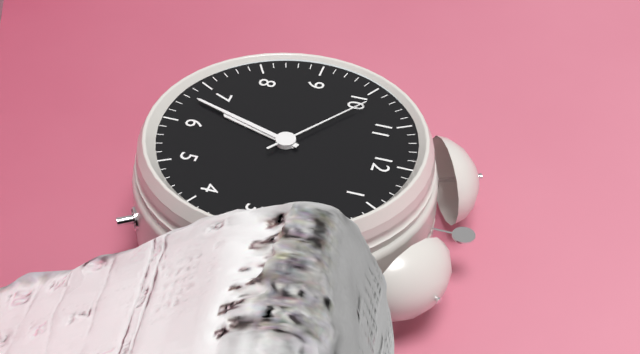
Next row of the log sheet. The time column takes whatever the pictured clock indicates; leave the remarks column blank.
6:33:51
